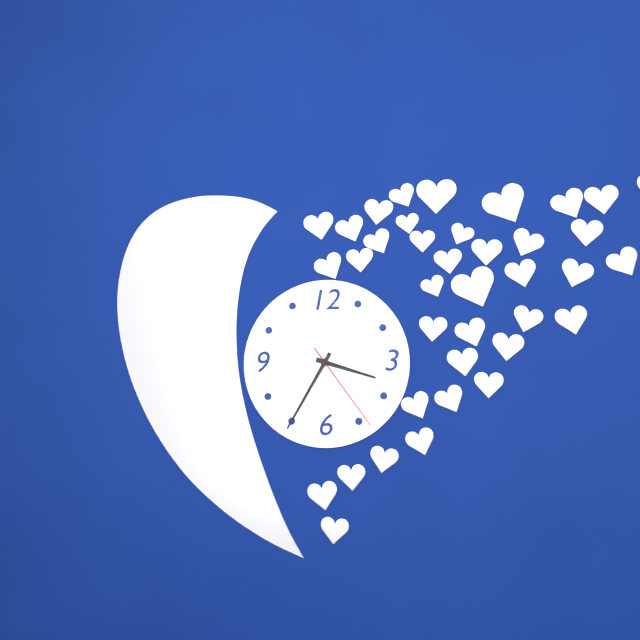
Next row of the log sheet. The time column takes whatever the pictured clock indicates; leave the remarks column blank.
3:35:24
